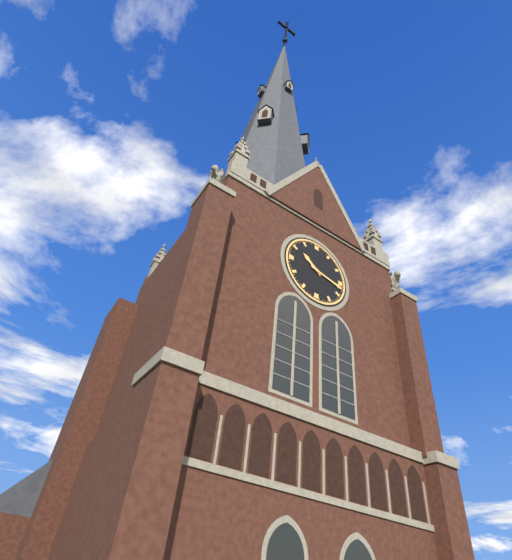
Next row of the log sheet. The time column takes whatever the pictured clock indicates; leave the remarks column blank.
10:17
